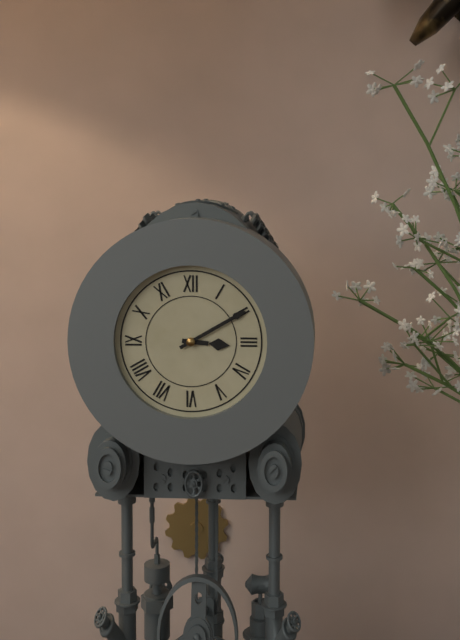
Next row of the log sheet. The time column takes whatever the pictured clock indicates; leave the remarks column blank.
3:10
